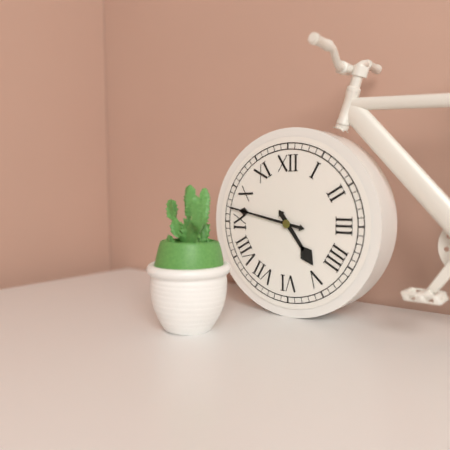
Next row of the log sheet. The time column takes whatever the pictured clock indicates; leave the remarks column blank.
4:47
